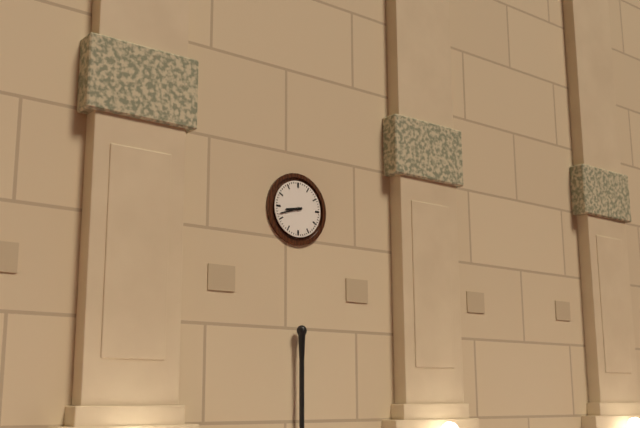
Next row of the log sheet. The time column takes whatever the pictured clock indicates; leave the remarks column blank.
8:42
